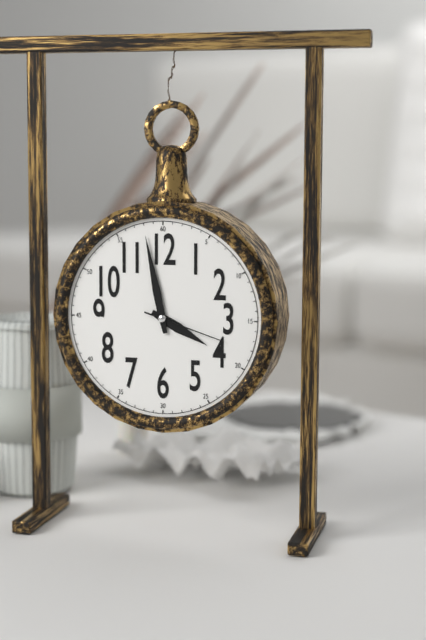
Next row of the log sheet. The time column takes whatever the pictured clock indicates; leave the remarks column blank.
3:58:18
